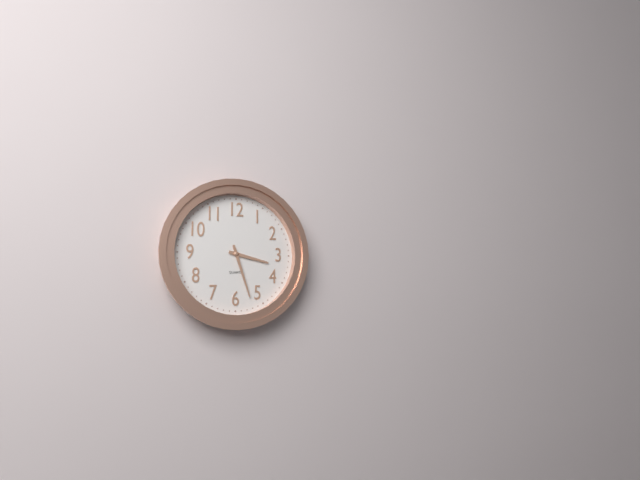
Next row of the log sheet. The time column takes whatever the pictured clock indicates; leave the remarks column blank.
3:27
